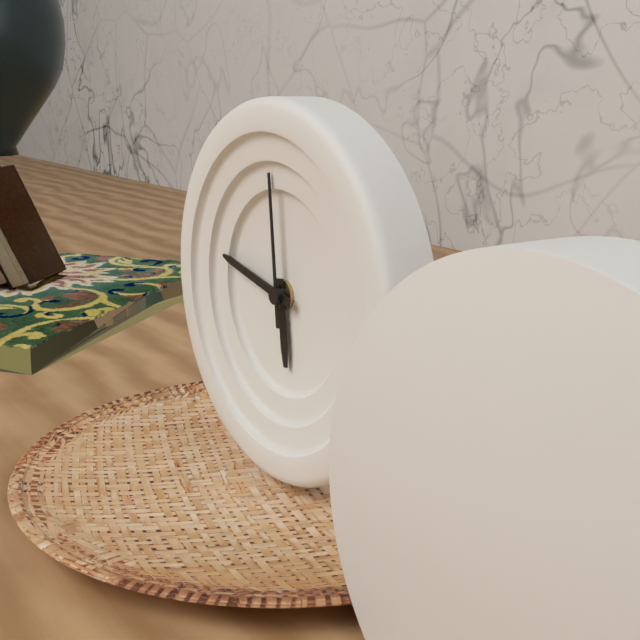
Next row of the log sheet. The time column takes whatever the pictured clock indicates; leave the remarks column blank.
5:47:59
